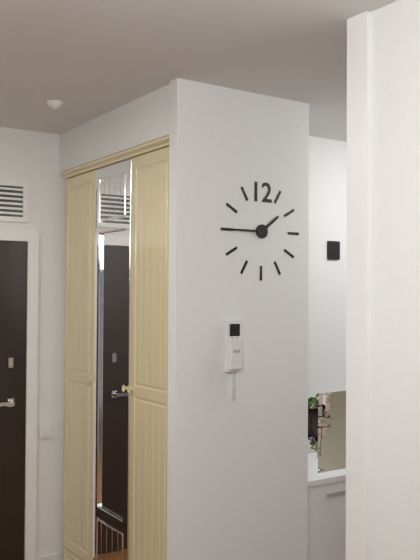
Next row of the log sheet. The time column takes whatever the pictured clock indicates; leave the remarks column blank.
1:45
